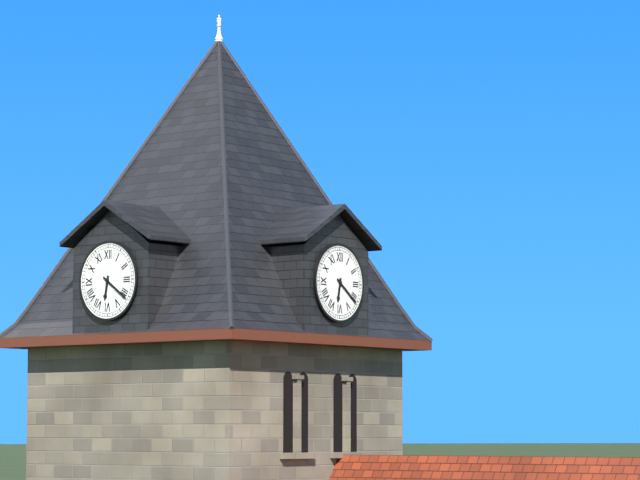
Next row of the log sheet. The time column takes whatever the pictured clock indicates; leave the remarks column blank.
6:21
